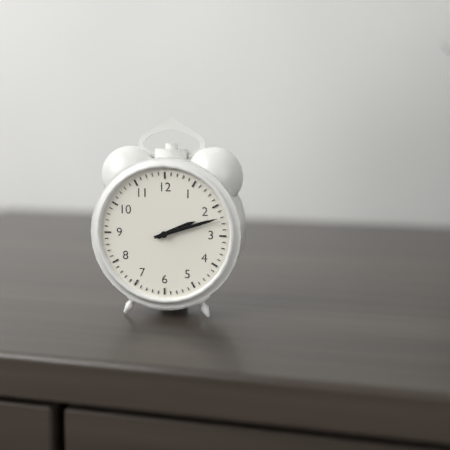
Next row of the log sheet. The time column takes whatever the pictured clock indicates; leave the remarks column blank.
2:12
